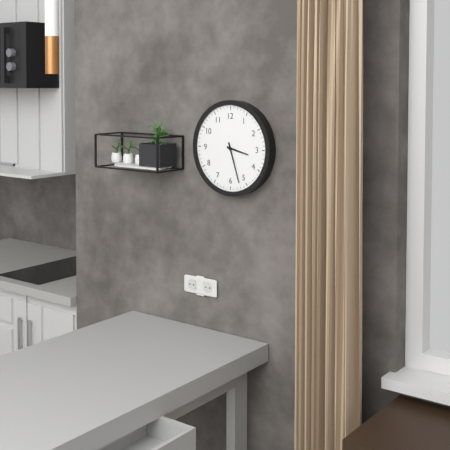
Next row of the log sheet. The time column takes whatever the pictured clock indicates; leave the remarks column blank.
3:27
